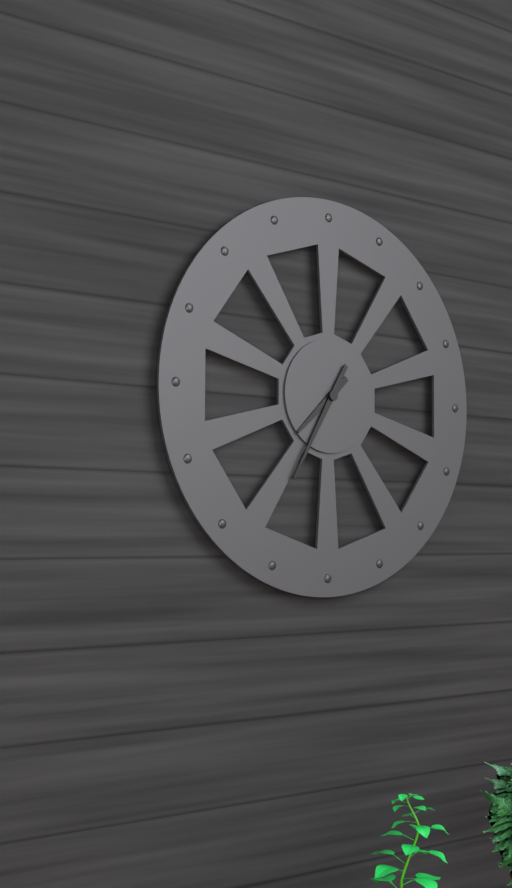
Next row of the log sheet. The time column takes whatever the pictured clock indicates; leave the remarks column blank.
7:35
